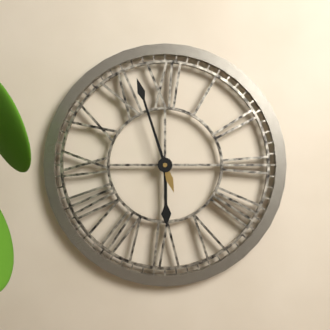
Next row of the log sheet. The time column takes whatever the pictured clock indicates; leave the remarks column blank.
5:57
